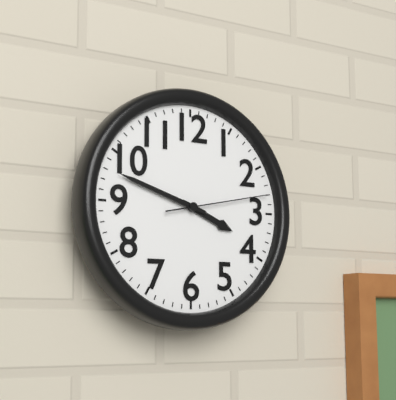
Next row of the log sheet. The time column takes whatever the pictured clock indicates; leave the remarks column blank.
3:48:13
